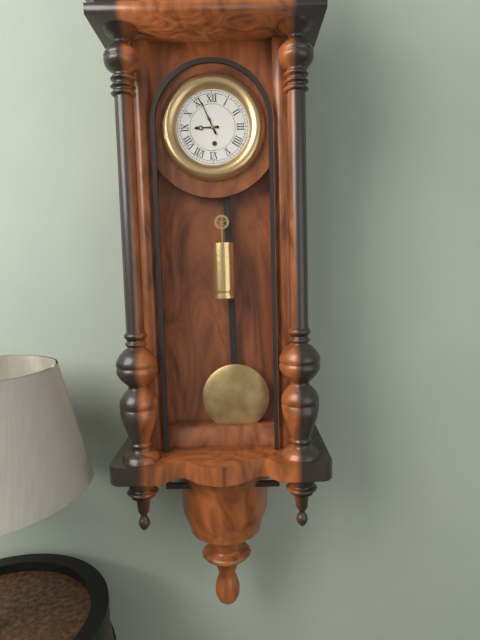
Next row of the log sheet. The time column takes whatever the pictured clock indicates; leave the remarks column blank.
8:56
